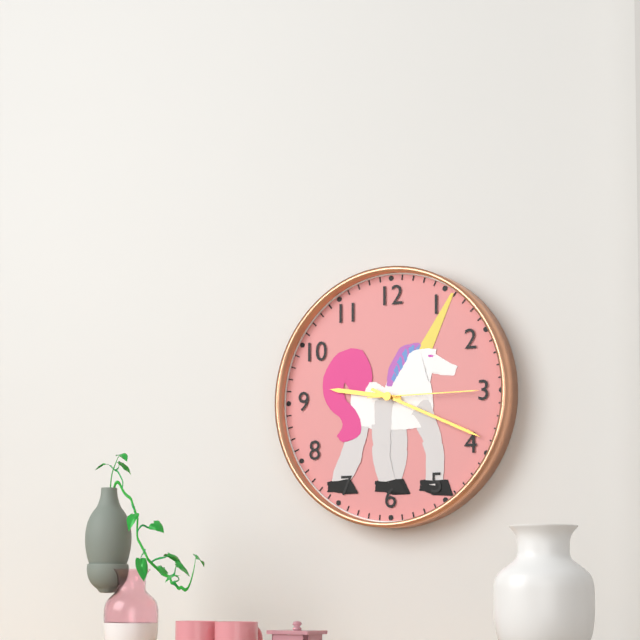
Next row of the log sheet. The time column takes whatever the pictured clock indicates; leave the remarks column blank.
9:19:15
